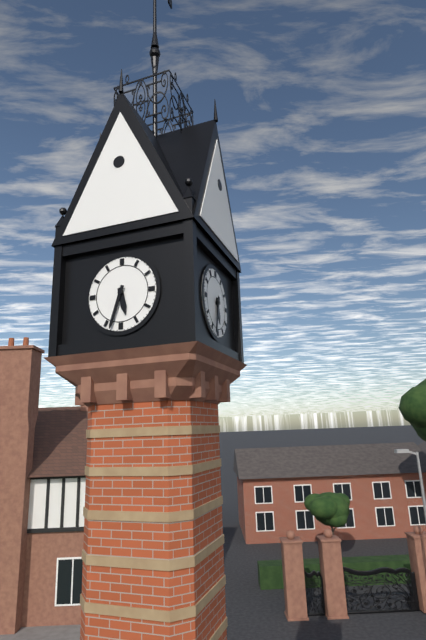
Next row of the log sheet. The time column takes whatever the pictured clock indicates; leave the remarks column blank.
5:33
